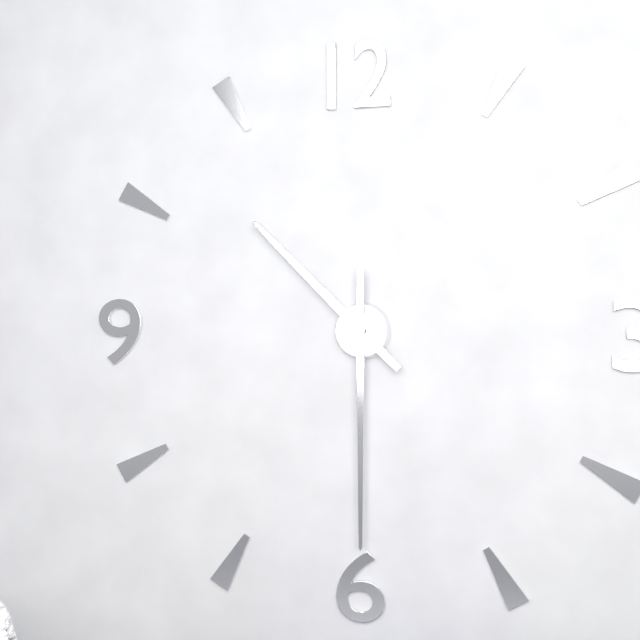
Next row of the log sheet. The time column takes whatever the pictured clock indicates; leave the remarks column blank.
10:30
